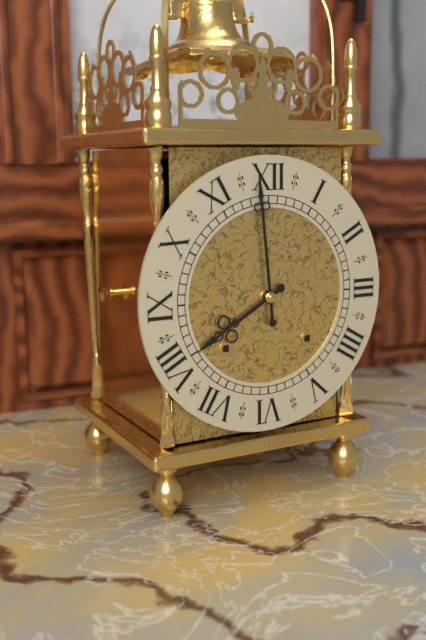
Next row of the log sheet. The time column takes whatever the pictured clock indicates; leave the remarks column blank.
7:59
